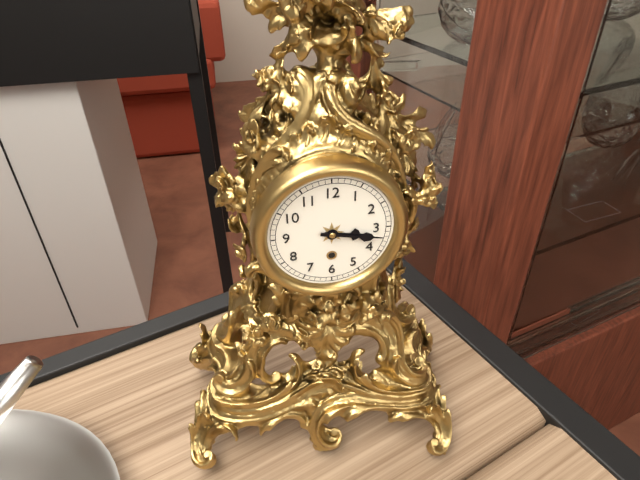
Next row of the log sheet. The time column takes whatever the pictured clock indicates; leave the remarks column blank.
3:17
